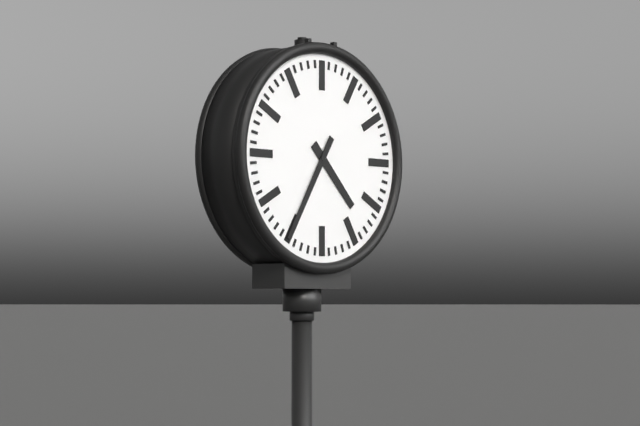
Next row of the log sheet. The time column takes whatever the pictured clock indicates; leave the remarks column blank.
4:35
